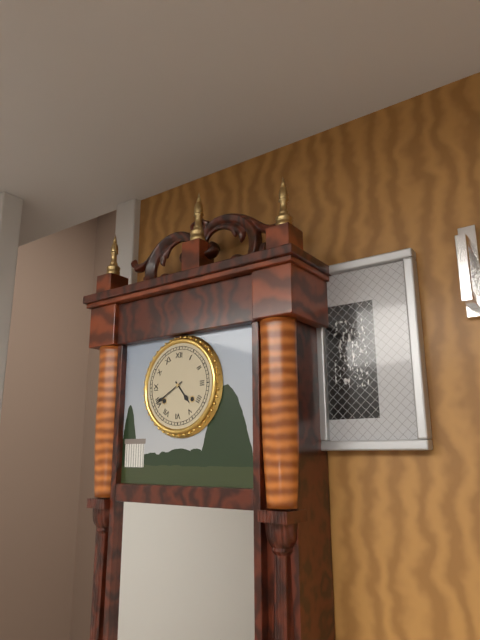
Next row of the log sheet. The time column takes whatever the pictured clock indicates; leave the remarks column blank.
4:40
